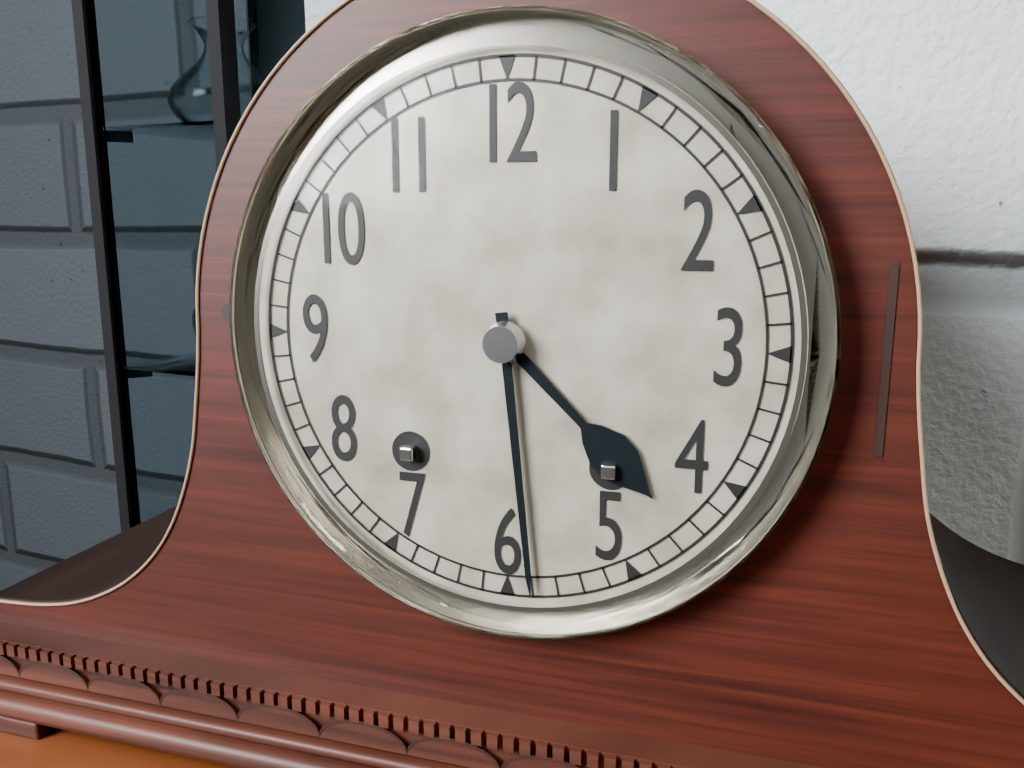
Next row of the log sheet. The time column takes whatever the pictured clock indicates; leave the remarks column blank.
4:29
